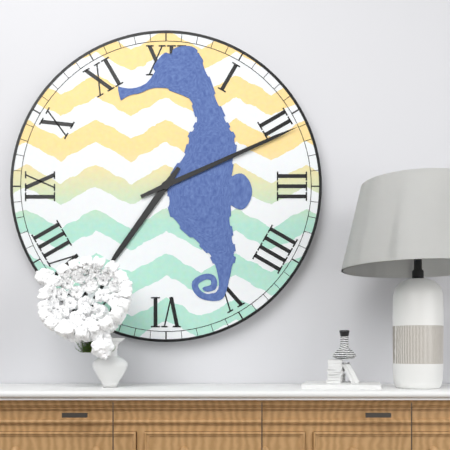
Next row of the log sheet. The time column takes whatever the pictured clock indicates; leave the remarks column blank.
7:11
